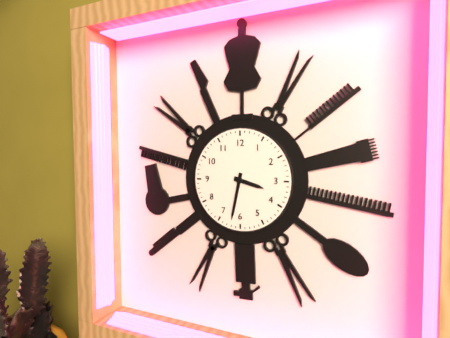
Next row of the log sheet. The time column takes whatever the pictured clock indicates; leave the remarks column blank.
3:32
